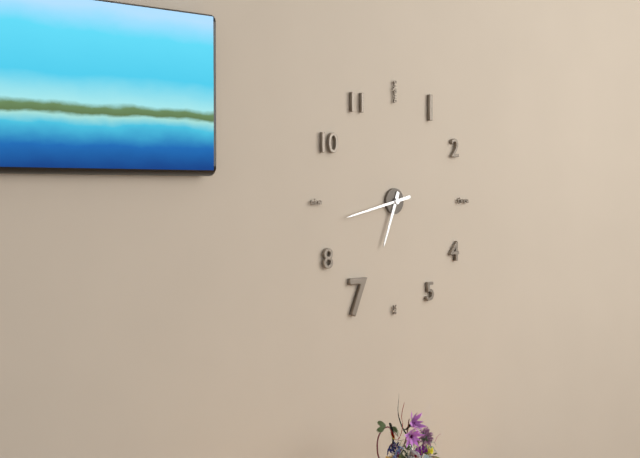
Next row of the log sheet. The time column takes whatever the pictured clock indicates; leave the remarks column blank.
6:43
